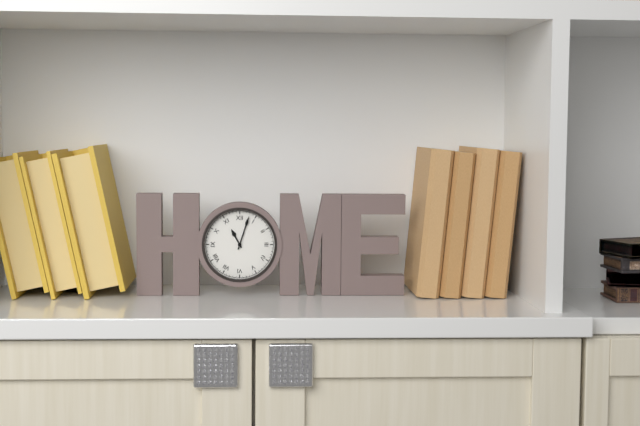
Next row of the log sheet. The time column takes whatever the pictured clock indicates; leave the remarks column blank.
11:03
